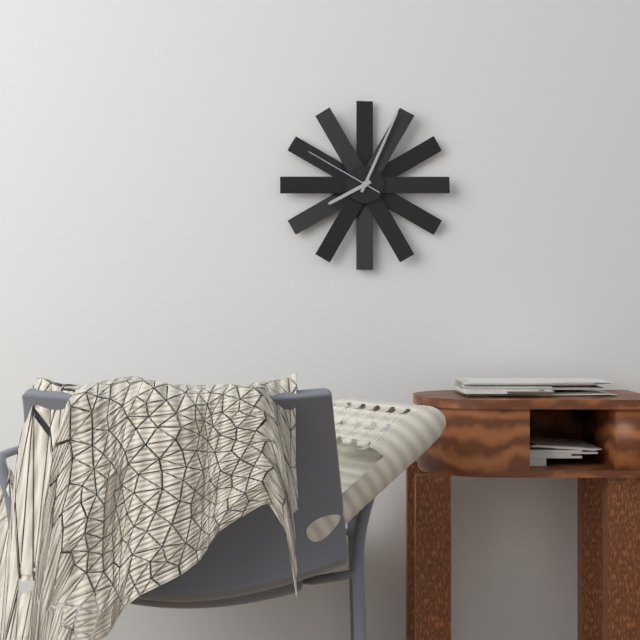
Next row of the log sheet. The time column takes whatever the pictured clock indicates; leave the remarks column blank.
8:04:50
